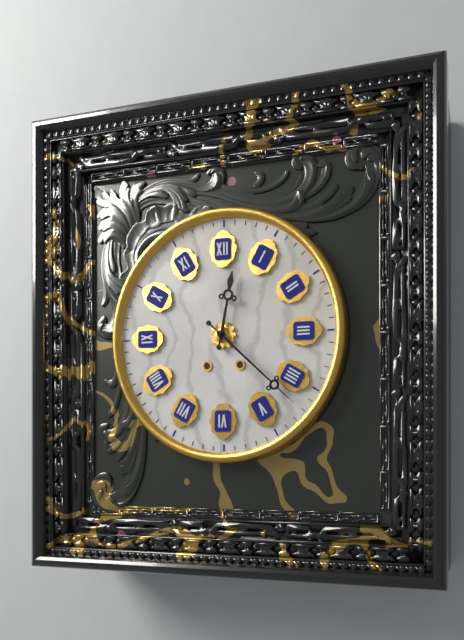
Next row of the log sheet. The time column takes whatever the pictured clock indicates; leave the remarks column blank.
12:22
